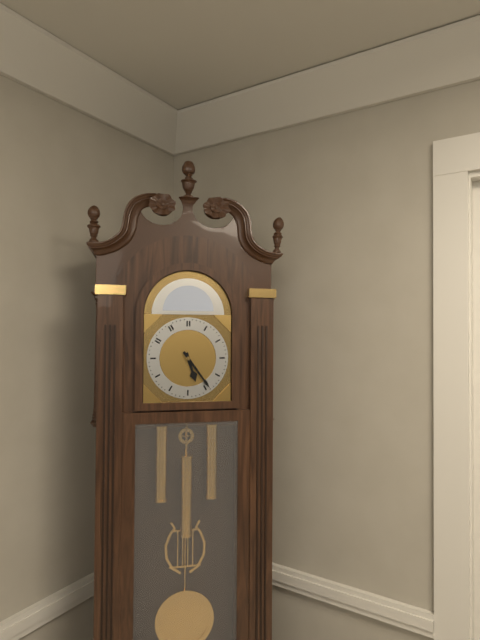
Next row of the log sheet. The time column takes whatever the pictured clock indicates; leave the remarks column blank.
5:24
